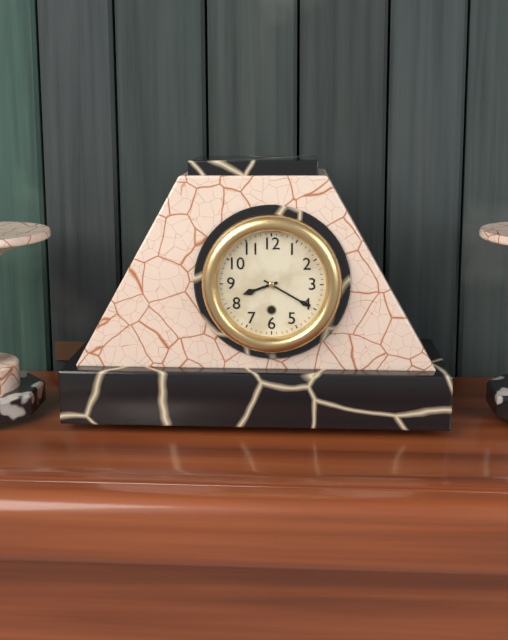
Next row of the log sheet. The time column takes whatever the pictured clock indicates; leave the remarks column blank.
8:20
